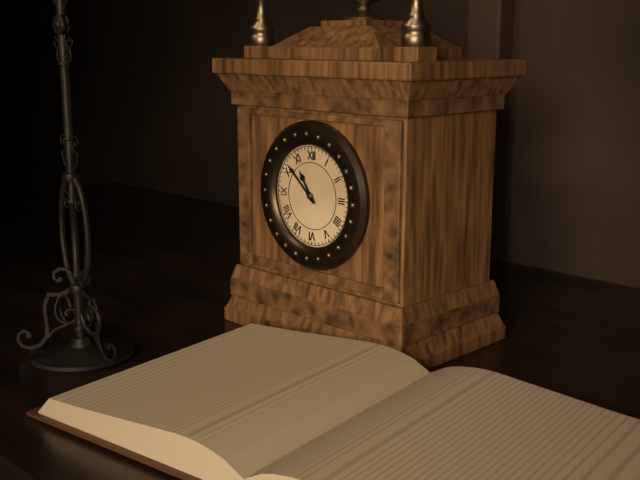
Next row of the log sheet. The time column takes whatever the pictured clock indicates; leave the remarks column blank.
10:52
